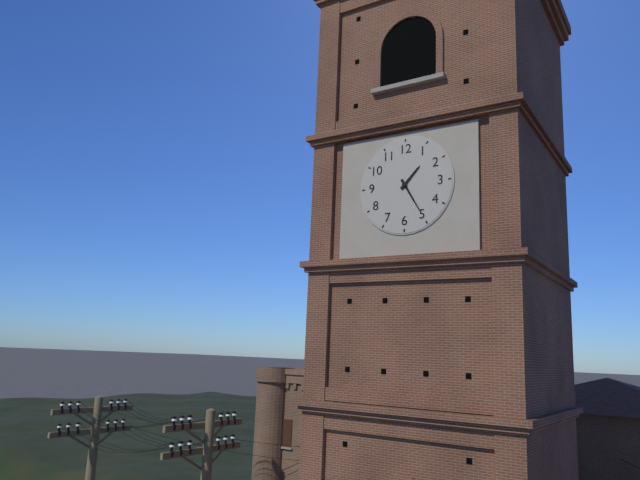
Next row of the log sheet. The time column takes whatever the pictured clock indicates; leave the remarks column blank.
1:25
